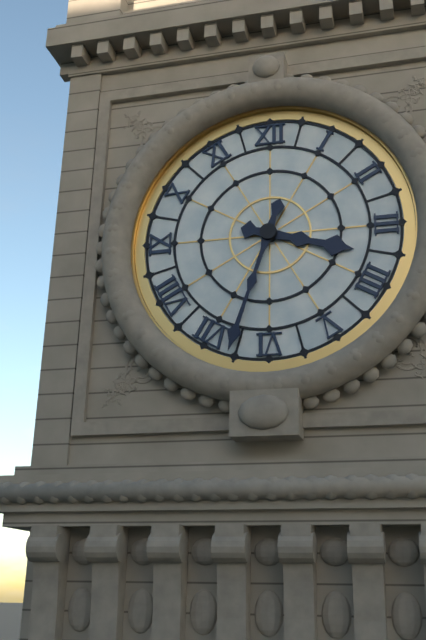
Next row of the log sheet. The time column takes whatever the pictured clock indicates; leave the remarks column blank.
3:33
